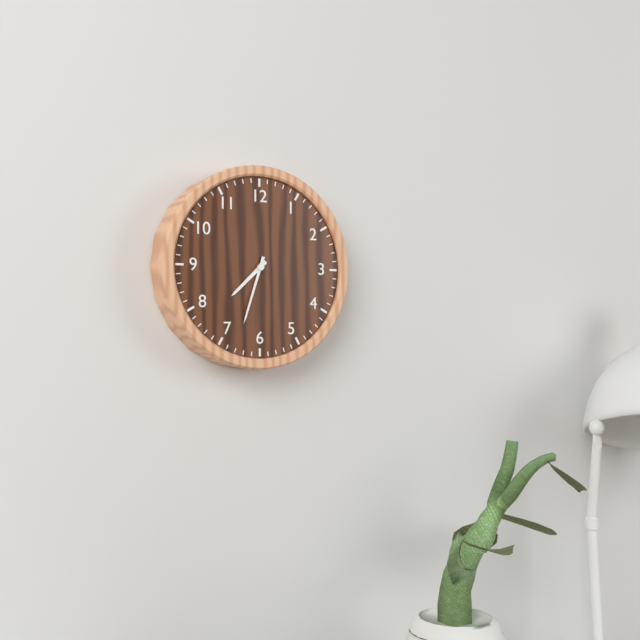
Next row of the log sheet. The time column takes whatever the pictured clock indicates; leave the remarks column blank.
7:33
